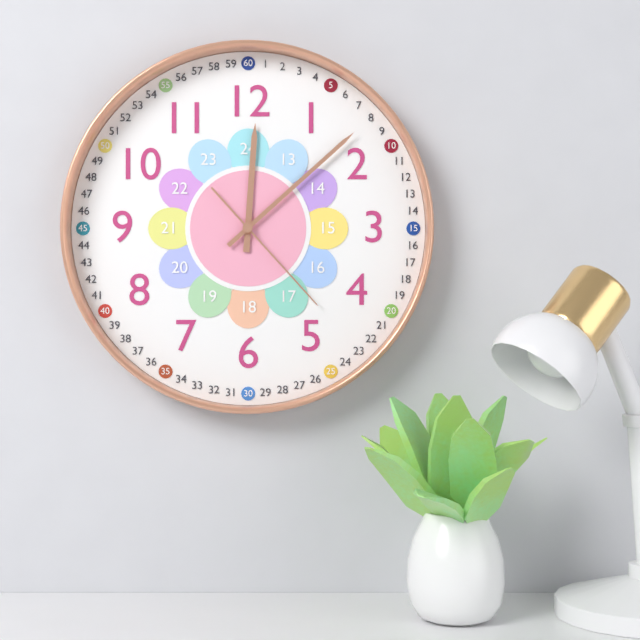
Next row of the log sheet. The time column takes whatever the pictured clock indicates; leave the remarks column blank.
12:08:23
